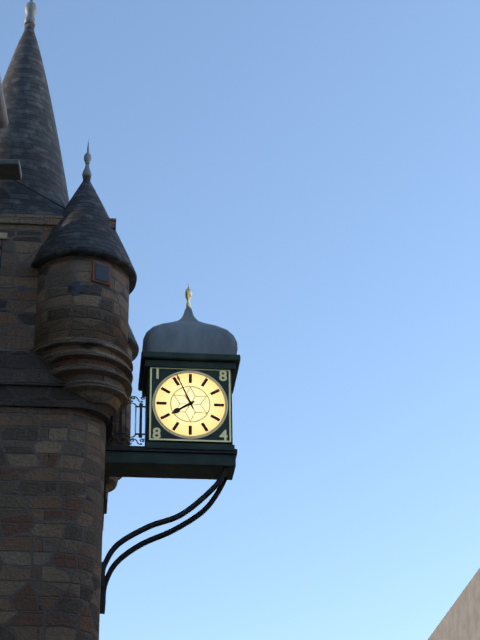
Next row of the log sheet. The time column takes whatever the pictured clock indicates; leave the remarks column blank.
7:56
